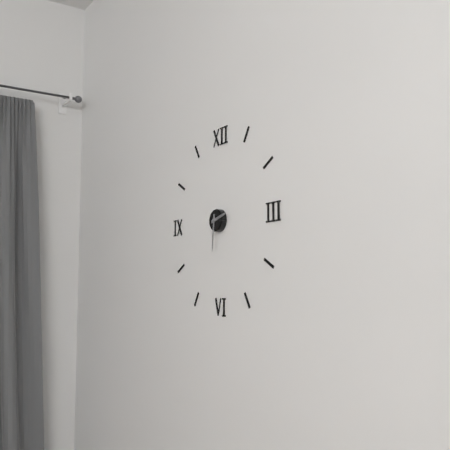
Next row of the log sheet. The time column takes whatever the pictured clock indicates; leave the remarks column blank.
2:31
